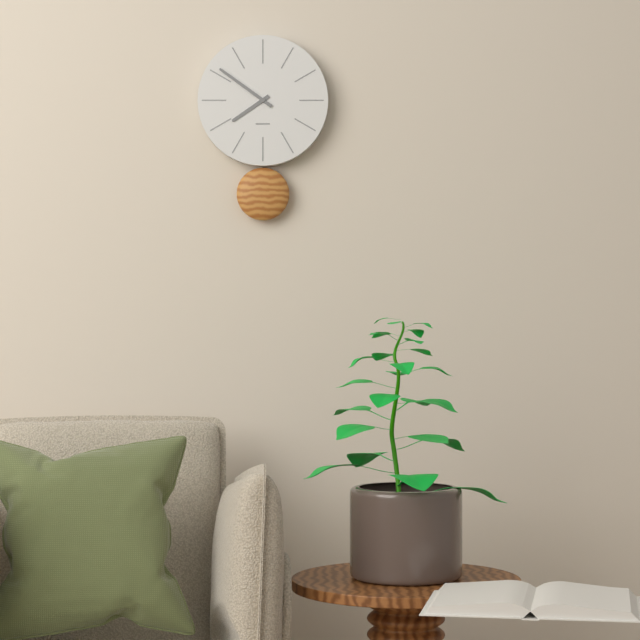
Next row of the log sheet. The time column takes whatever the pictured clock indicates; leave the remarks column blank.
7:51
